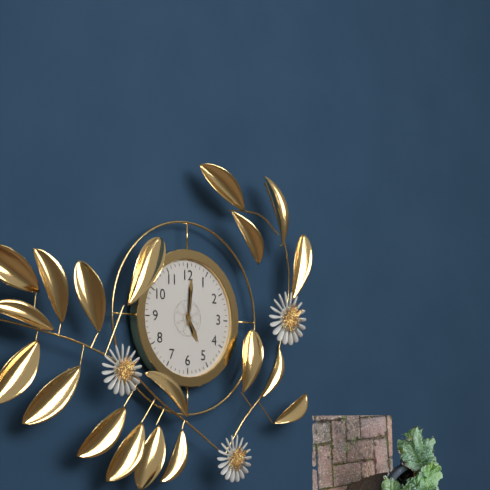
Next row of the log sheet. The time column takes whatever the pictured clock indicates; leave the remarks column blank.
5:01
